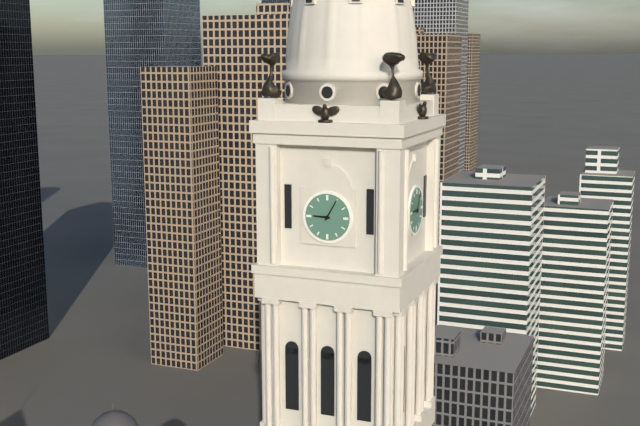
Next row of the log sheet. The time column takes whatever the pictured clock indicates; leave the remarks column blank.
9:05
